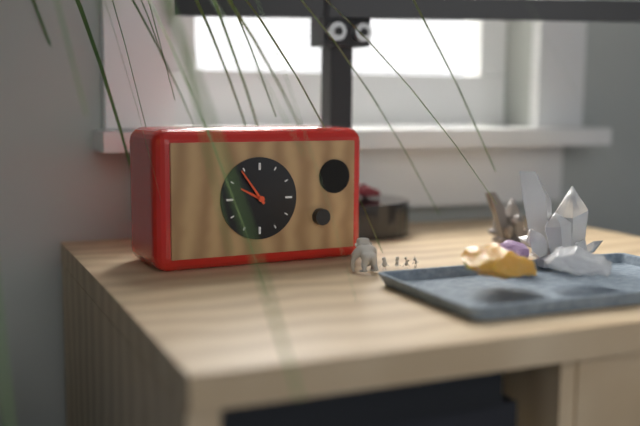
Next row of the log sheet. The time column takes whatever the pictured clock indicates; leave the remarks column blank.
9:54
